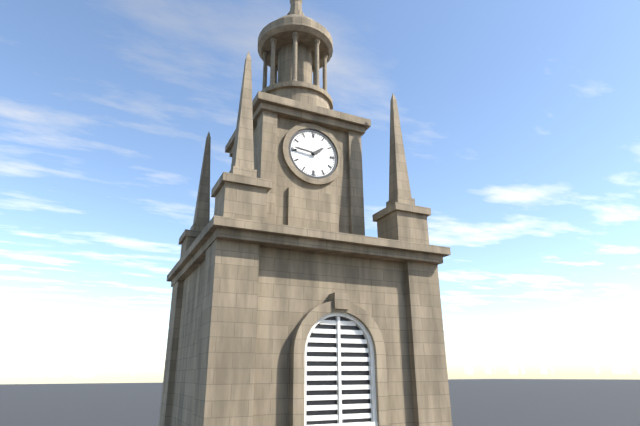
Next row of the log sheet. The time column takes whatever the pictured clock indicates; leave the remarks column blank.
1:46
